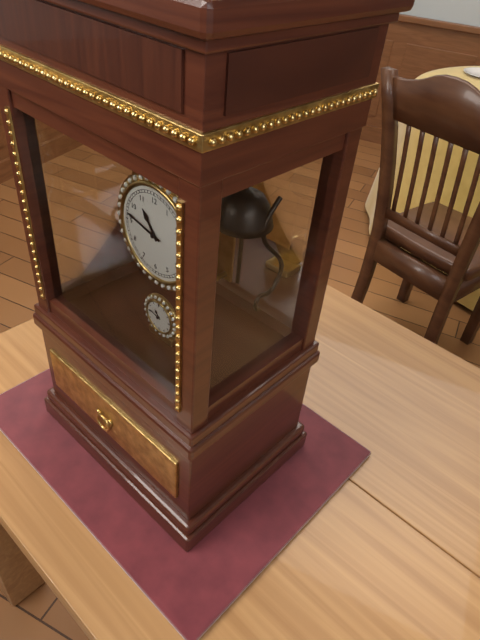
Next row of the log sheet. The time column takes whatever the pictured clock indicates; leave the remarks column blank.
10:47
